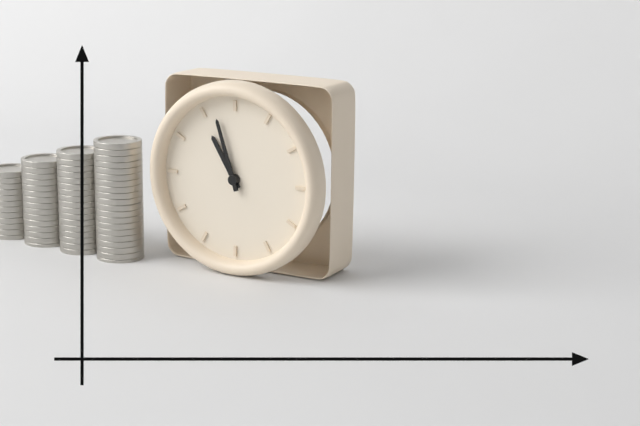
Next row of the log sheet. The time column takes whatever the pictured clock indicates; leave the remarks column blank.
10:57
